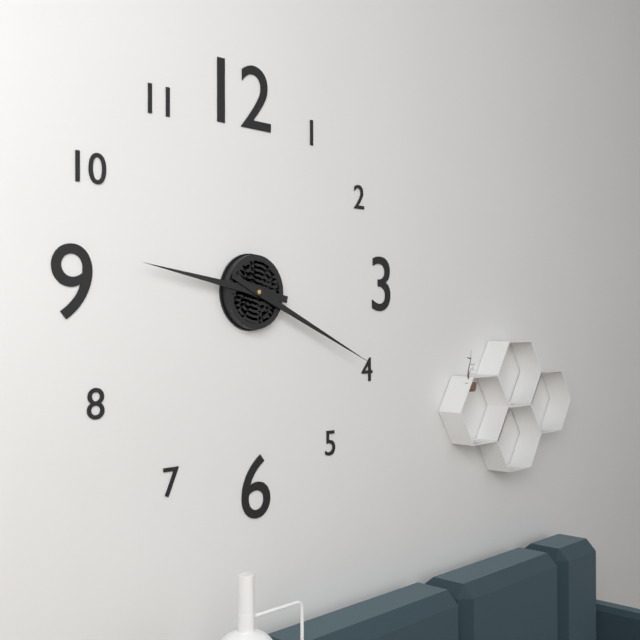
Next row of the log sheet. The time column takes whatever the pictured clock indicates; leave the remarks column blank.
9:19
